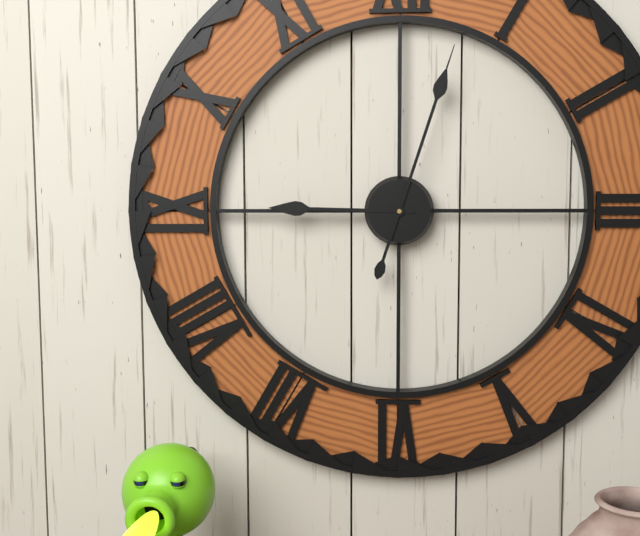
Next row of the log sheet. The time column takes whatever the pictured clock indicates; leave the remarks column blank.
9:03
